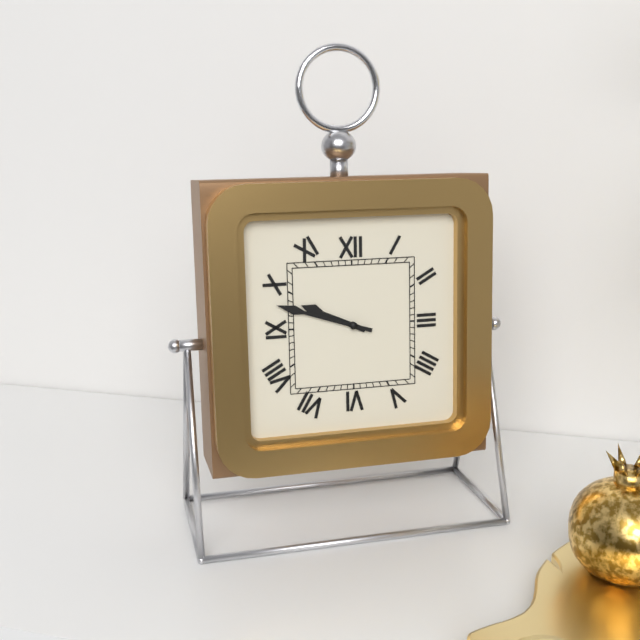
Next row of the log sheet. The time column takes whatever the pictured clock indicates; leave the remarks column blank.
9:48
